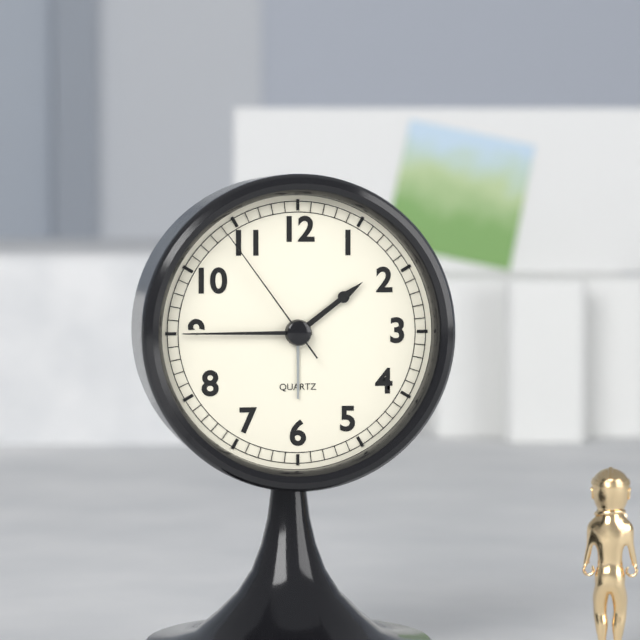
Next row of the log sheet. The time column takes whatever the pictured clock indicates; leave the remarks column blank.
1:45:54
